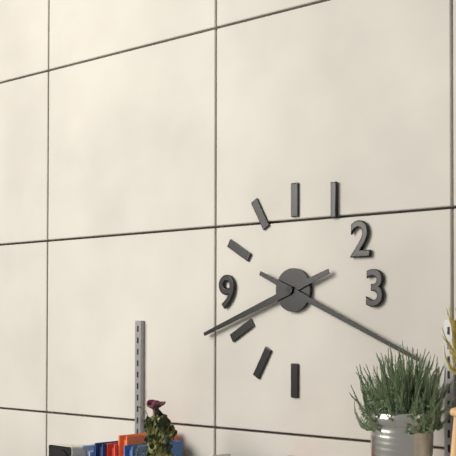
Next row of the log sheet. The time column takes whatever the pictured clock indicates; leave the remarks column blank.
8:19
